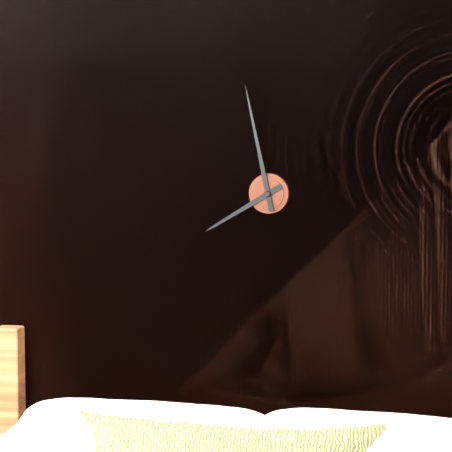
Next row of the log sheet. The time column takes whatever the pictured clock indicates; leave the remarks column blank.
7:58
